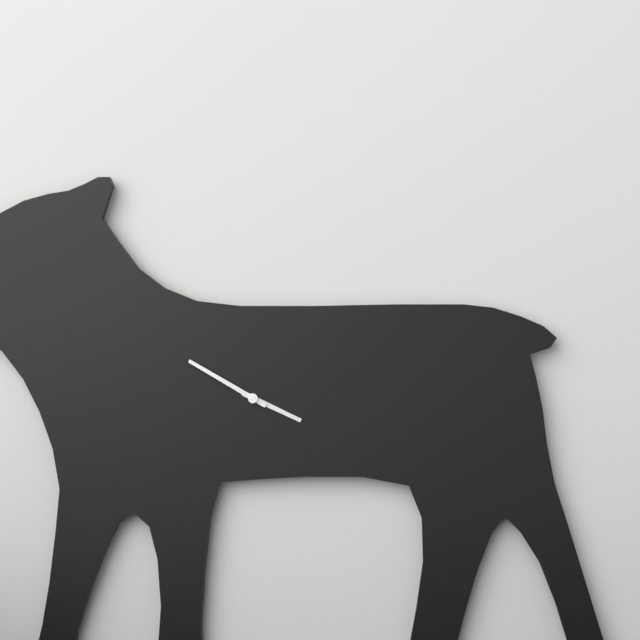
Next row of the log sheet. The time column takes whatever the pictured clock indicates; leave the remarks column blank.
3:50
